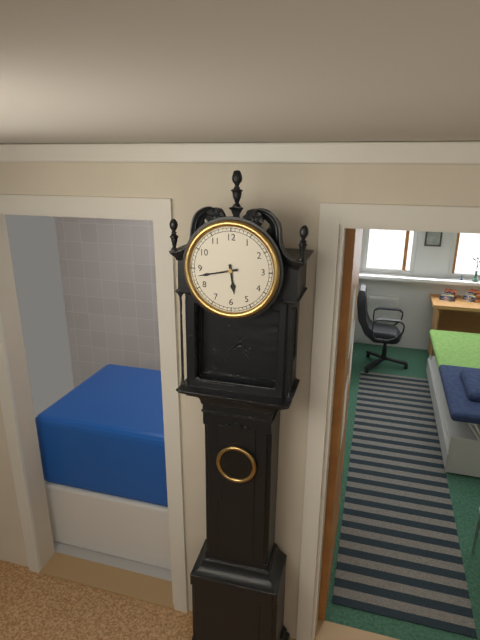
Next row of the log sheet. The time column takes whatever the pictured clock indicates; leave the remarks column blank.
5:43
